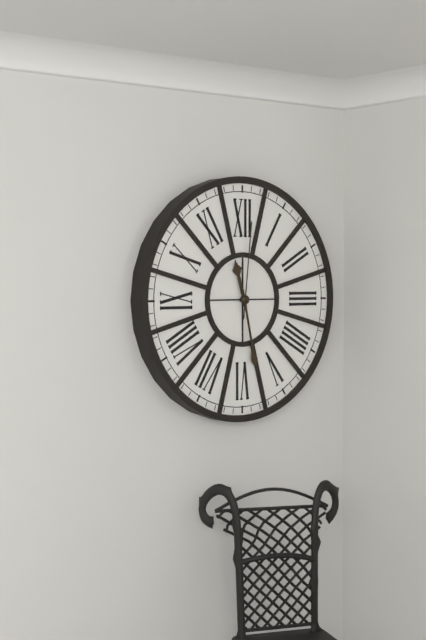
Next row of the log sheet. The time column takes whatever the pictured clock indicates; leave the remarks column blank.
11:28:01
